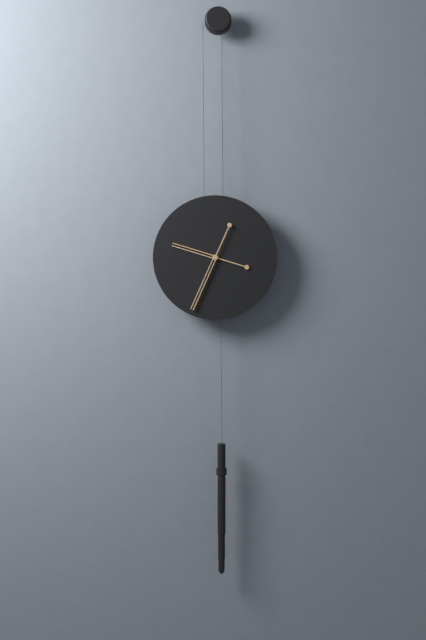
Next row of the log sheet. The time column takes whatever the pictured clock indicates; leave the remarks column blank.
9:34
